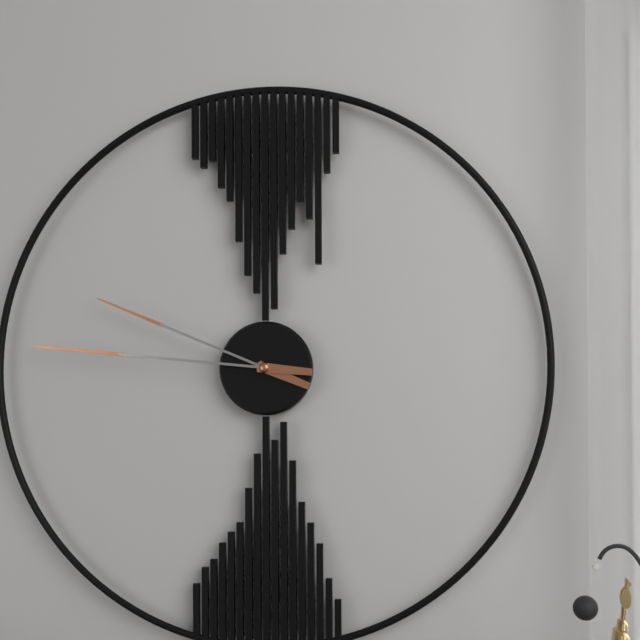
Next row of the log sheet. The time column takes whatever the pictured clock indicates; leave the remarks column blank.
9:46
